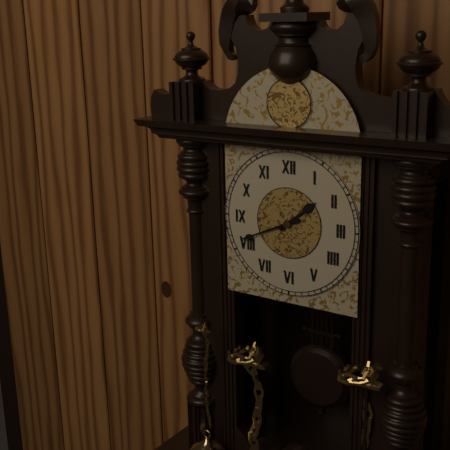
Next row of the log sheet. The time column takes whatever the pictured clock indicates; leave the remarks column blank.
1:41
